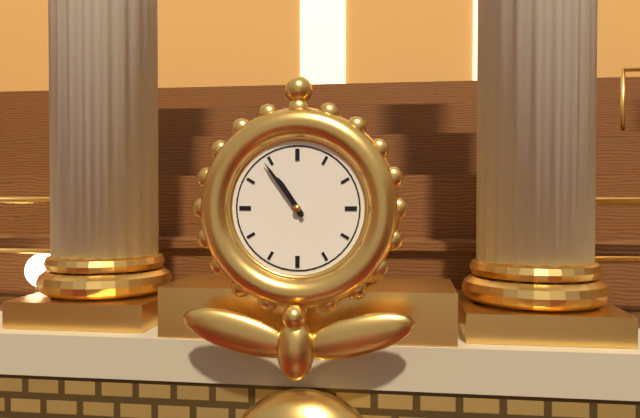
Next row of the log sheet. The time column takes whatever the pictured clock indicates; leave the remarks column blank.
10:54
